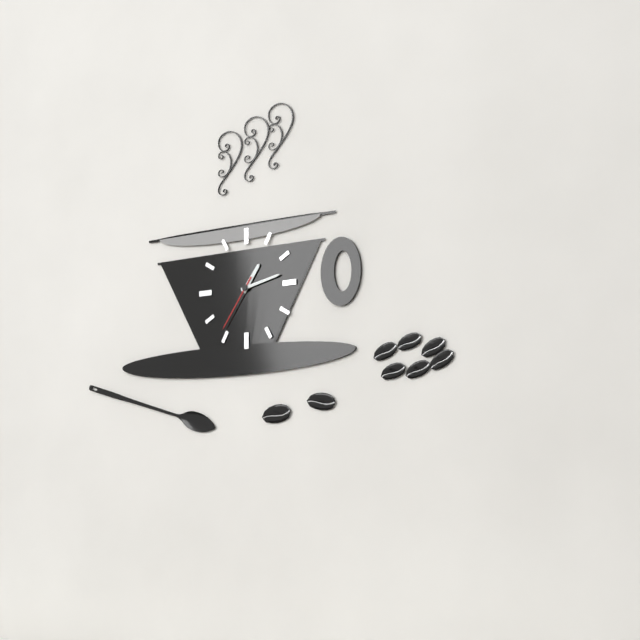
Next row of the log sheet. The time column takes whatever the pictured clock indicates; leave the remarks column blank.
1:13:36
